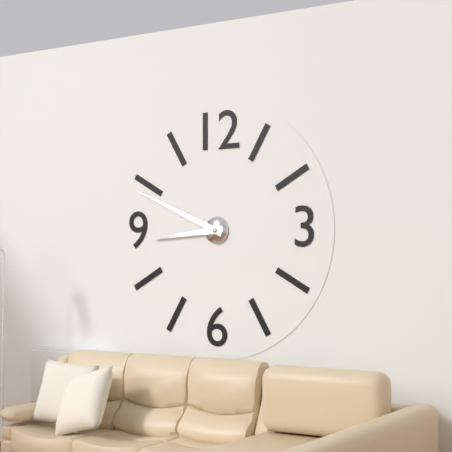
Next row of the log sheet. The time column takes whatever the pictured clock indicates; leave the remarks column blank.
8:49
